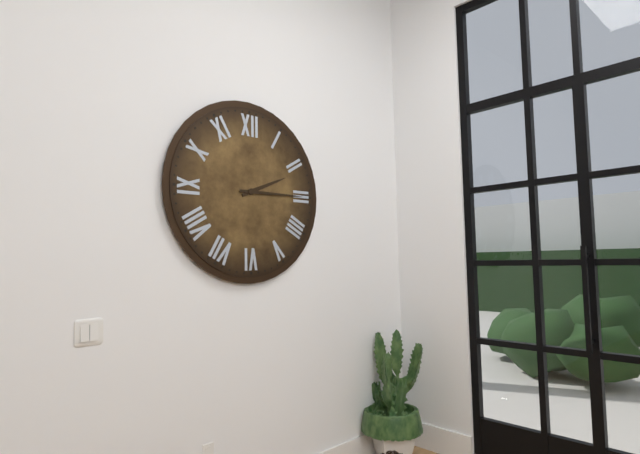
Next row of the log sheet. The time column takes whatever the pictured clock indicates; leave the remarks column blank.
2:15
